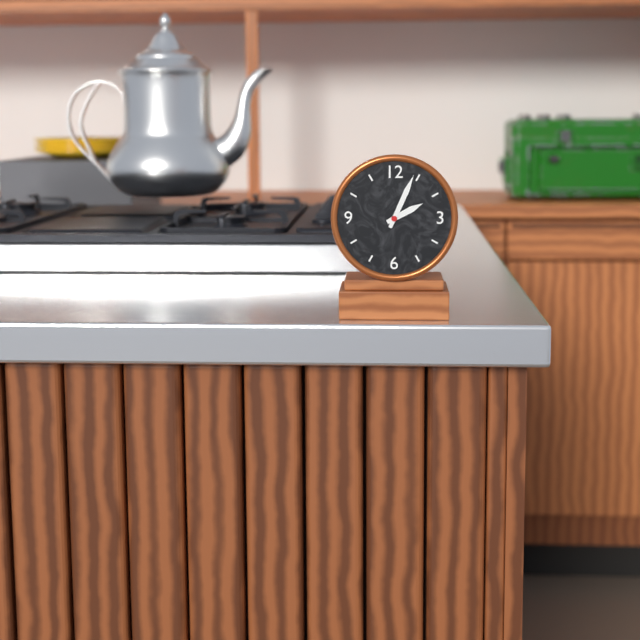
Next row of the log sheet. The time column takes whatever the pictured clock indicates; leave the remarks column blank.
2:04
